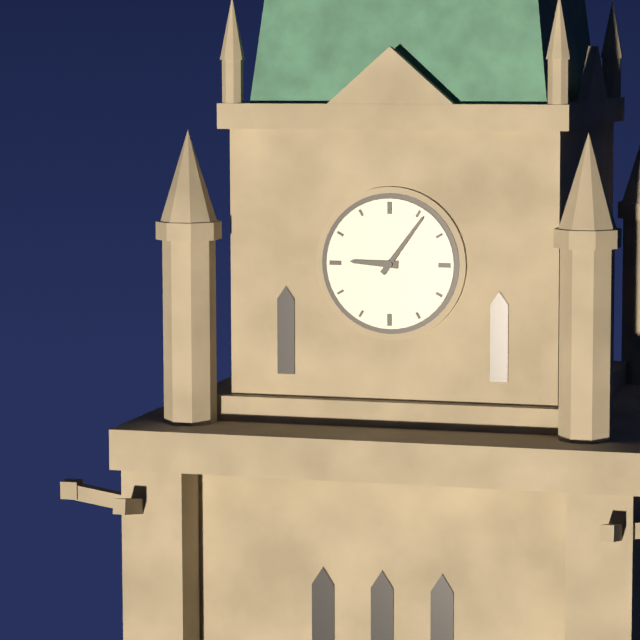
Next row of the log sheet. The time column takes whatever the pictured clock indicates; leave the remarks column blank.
9:06
